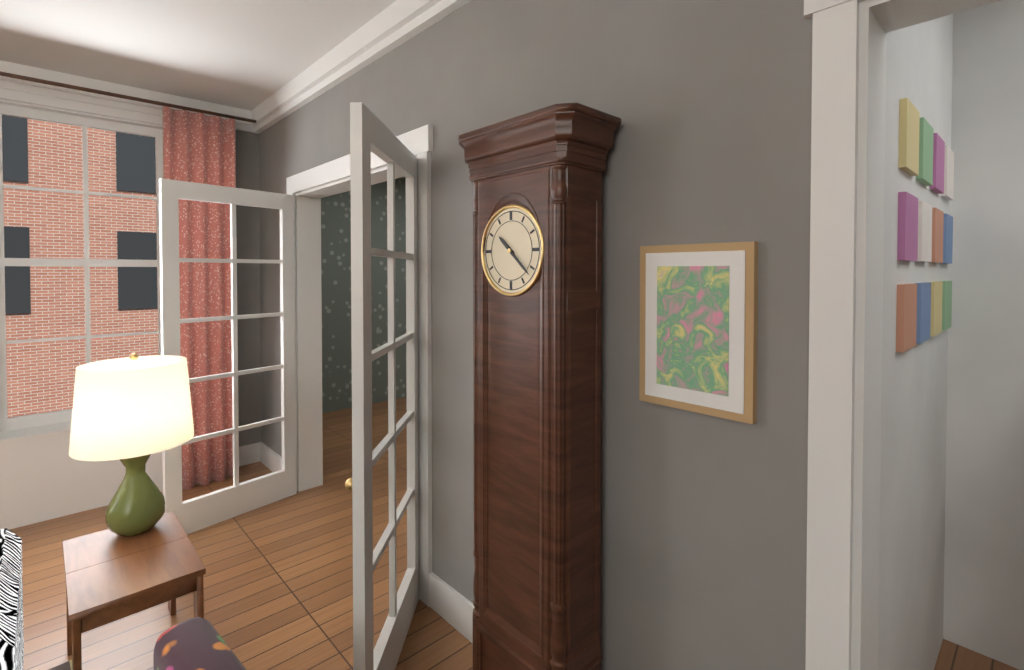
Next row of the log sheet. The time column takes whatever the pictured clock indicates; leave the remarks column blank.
10:22
